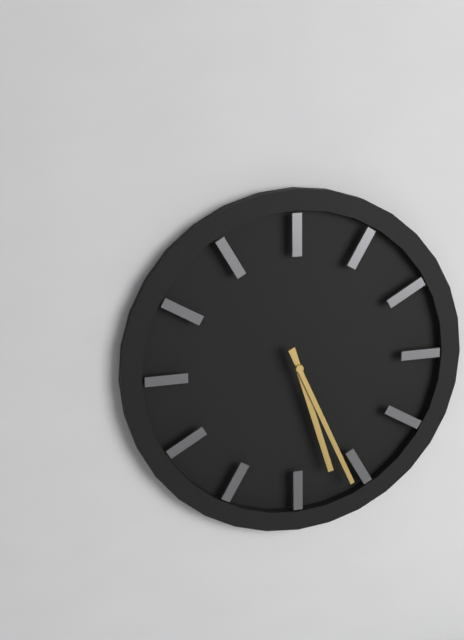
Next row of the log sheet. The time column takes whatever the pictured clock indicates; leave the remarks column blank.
5:26
